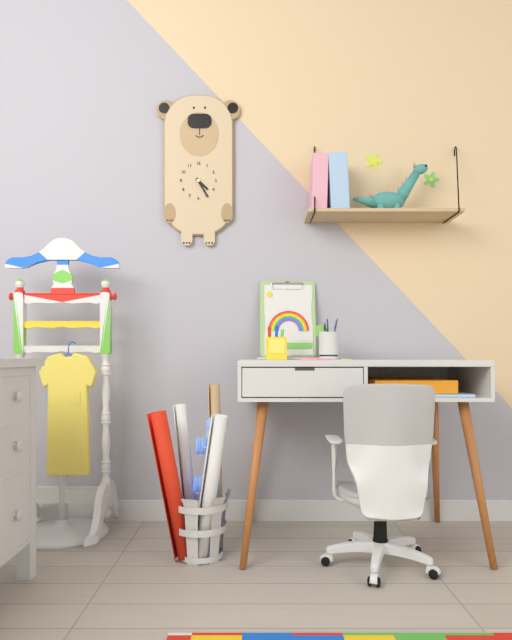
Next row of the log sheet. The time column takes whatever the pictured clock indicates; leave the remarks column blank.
4:25
